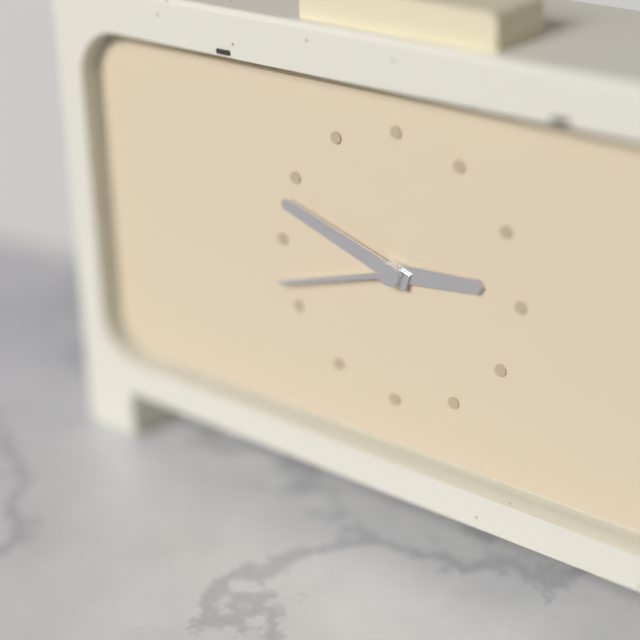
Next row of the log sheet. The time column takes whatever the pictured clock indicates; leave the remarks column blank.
2:48:42
